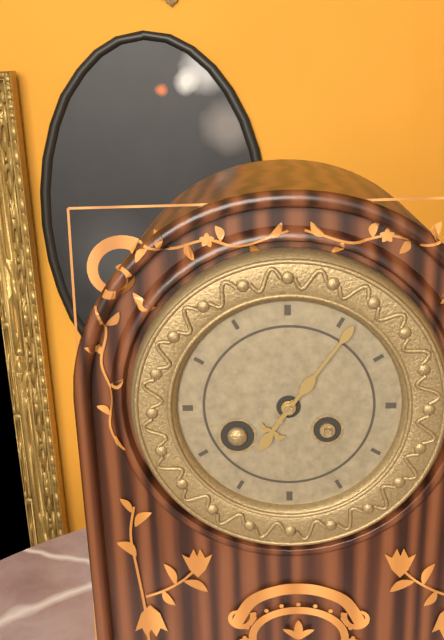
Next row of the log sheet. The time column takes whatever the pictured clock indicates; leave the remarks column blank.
7:06
